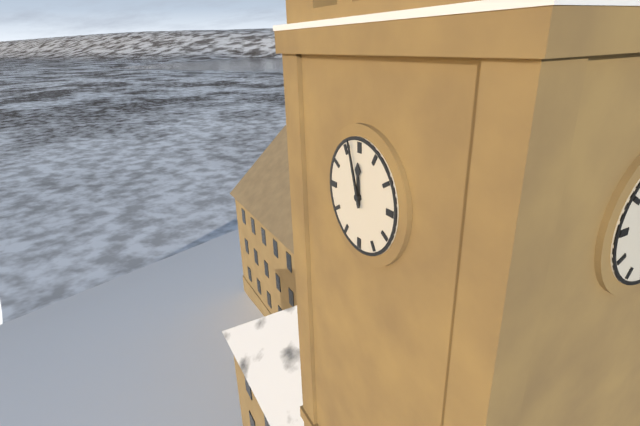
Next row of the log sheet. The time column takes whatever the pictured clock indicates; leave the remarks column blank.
11:57
